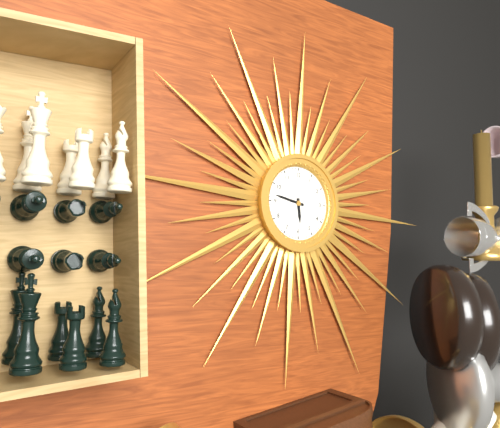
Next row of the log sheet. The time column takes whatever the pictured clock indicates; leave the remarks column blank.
5:47
